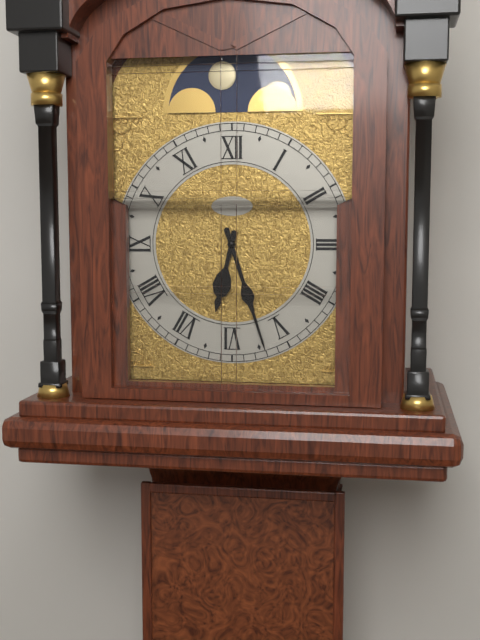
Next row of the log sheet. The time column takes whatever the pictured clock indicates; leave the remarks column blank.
6:27
